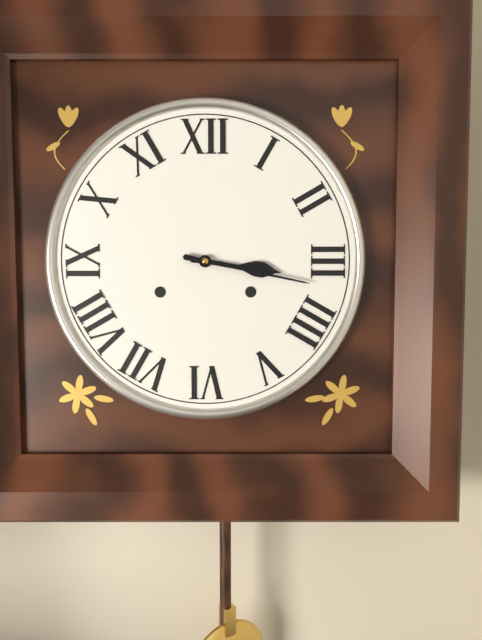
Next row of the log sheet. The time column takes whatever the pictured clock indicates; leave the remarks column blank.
3:17
